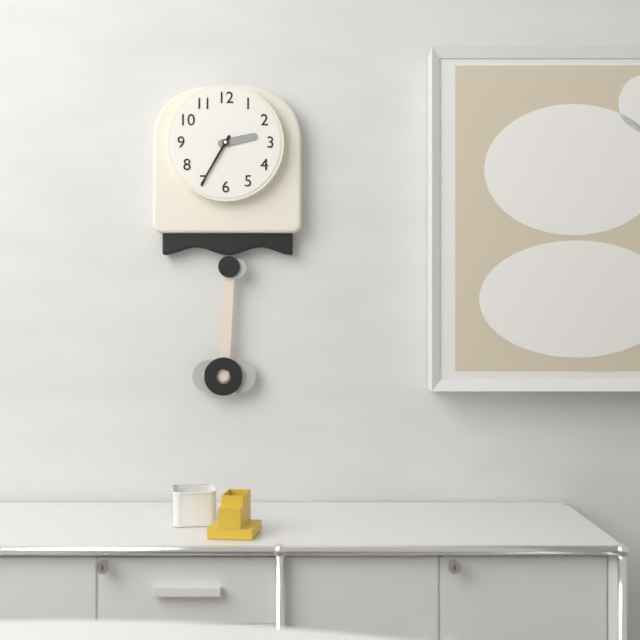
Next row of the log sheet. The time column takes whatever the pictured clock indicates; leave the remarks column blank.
2:35
